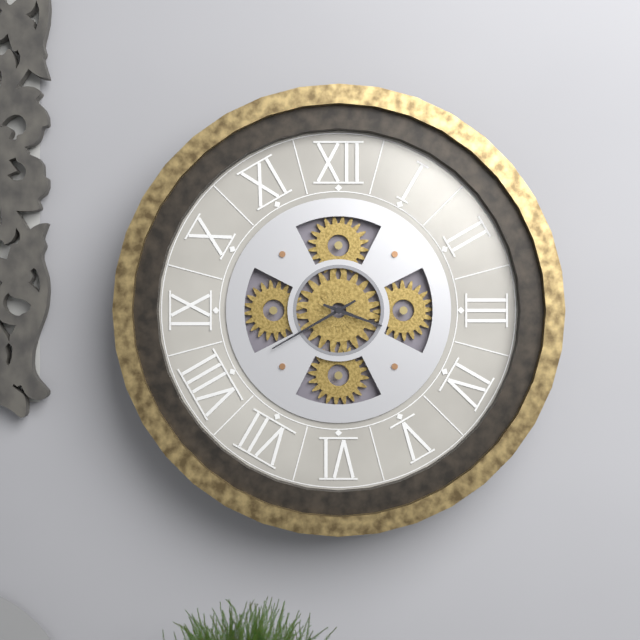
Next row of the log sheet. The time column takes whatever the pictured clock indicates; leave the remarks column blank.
3:40
